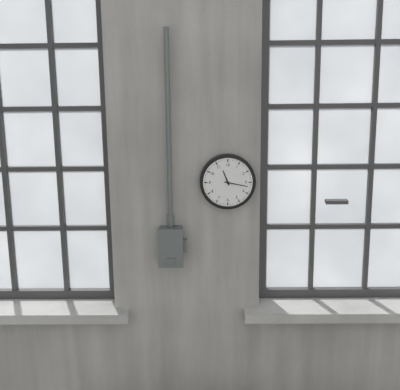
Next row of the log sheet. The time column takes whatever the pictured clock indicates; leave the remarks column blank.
11:17
